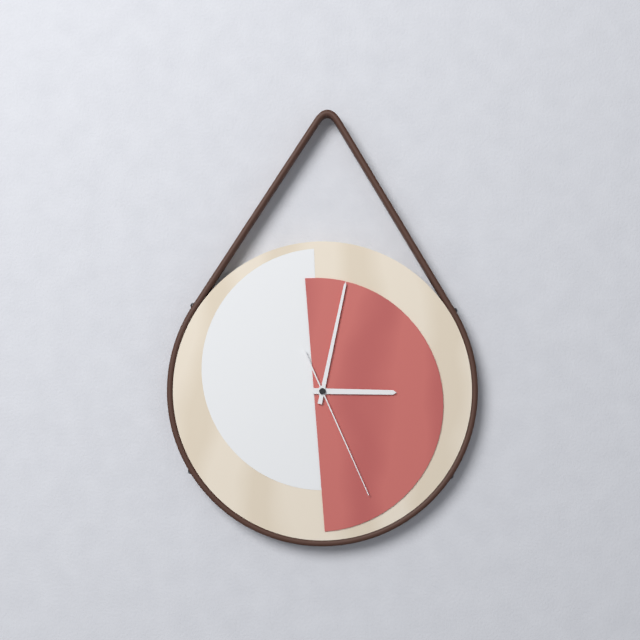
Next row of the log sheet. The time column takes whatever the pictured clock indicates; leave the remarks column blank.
3:02:26
